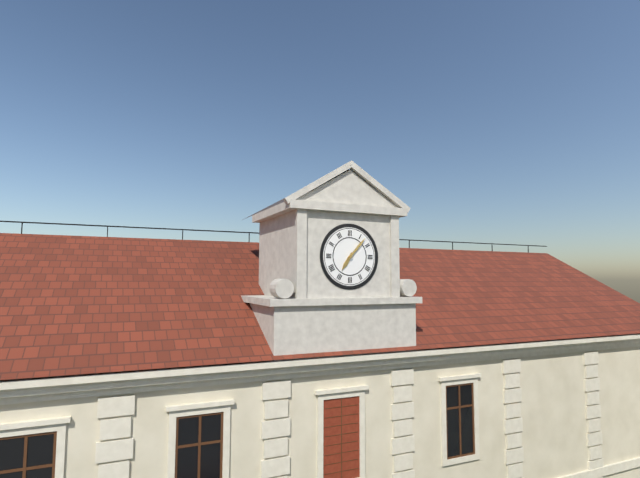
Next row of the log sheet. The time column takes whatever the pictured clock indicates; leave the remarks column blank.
7:07
